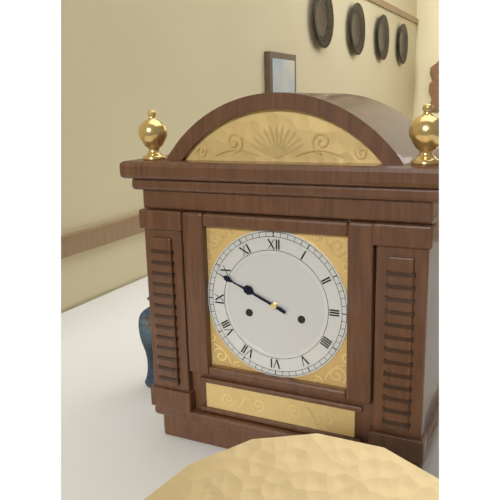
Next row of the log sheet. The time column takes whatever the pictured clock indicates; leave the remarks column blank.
9:49
